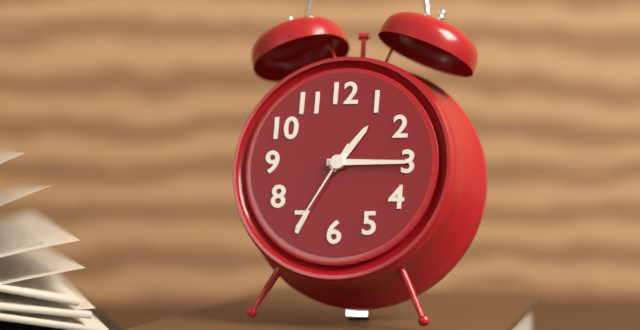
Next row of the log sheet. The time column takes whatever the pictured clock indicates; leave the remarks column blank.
1:15:35
